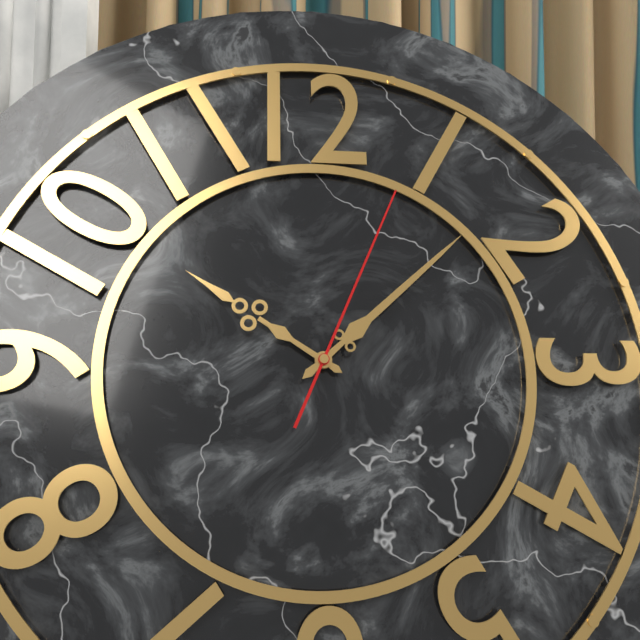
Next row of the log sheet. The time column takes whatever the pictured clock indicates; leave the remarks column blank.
10:08:04
